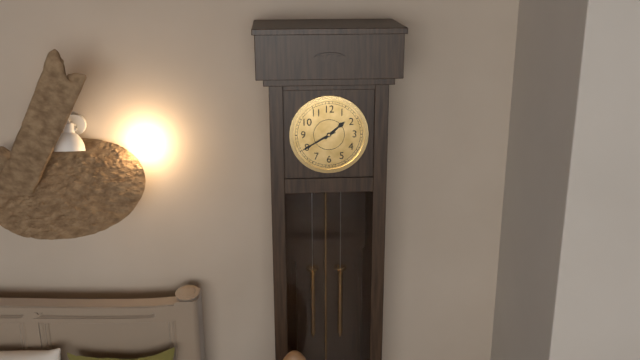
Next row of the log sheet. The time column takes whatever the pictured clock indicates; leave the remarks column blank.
1:40
